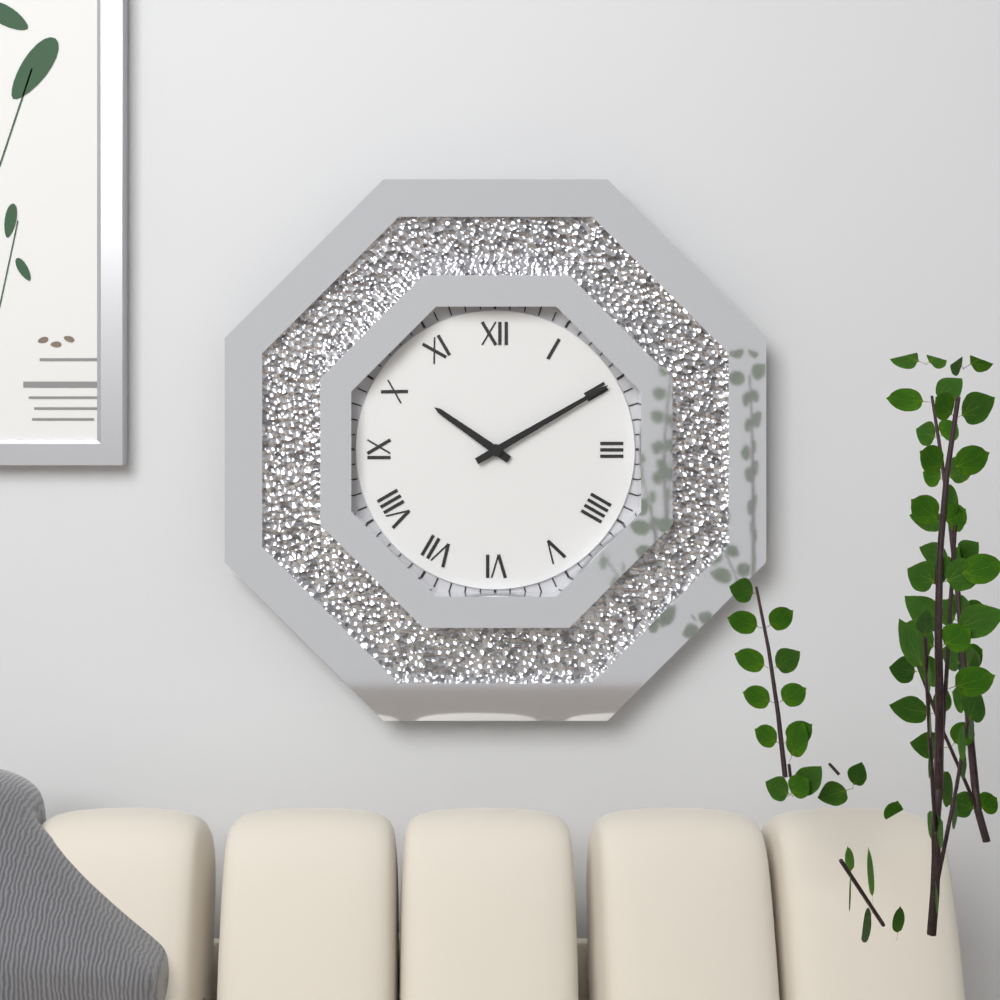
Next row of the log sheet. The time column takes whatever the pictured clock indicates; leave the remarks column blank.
10:10
